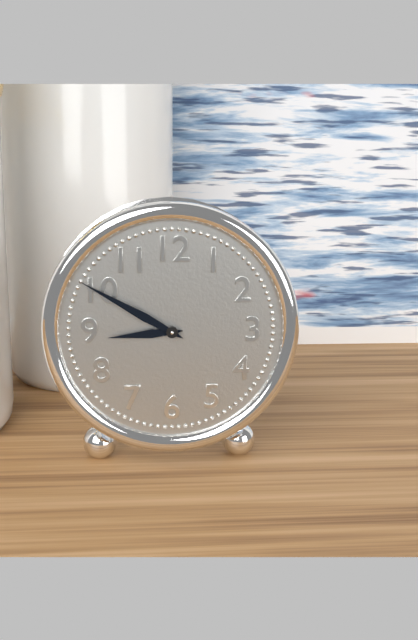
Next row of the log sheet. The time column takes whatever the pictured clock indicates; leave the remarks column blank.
8:50
